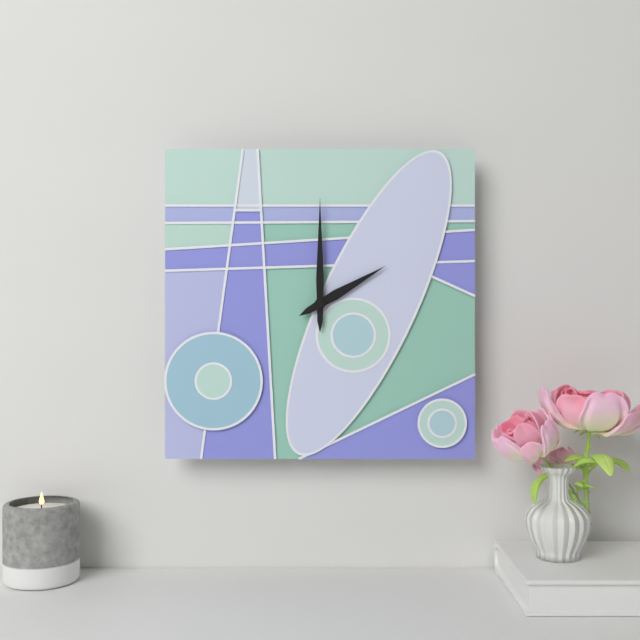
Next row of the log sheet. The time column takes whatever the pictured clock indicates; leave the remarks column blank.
2:00
